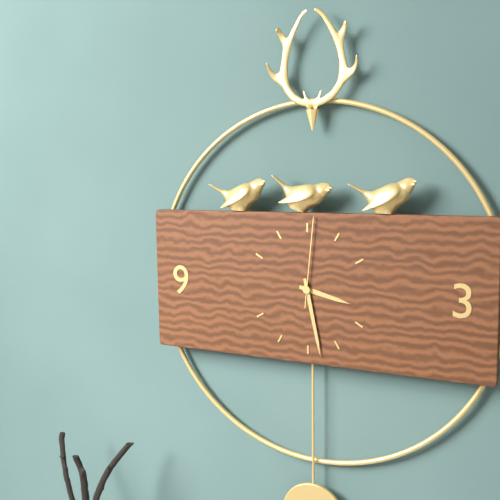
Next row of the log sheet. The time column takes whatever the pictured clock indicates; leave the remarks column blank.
3:28:01
